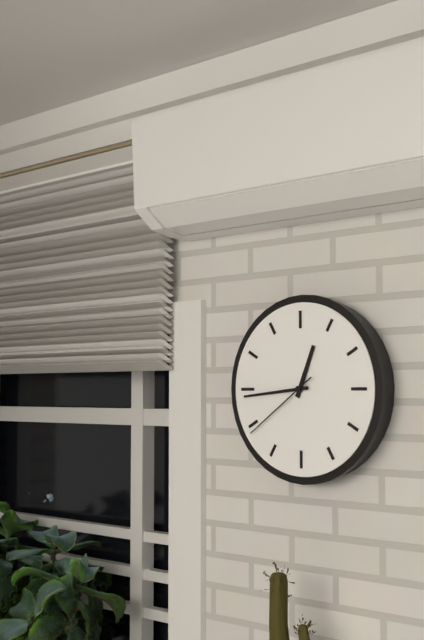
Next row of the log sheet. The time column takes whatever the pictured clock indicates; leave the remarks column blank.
12:44:39
